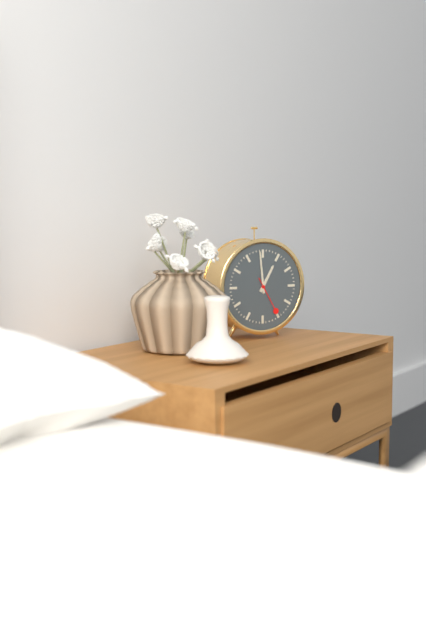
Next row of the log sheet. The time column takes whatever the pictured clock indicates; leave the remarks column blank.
12:59
